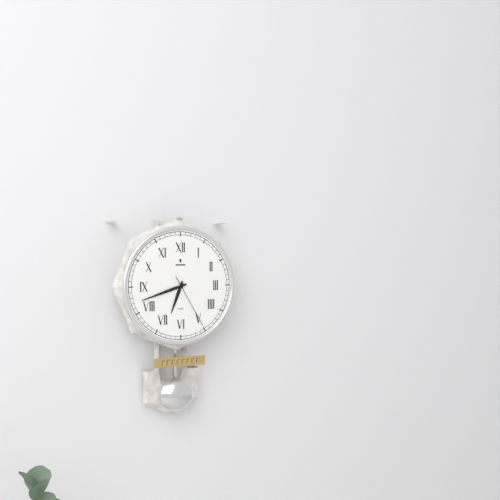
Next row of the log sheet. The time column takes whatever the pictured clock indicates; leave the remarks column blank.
6:42:25
